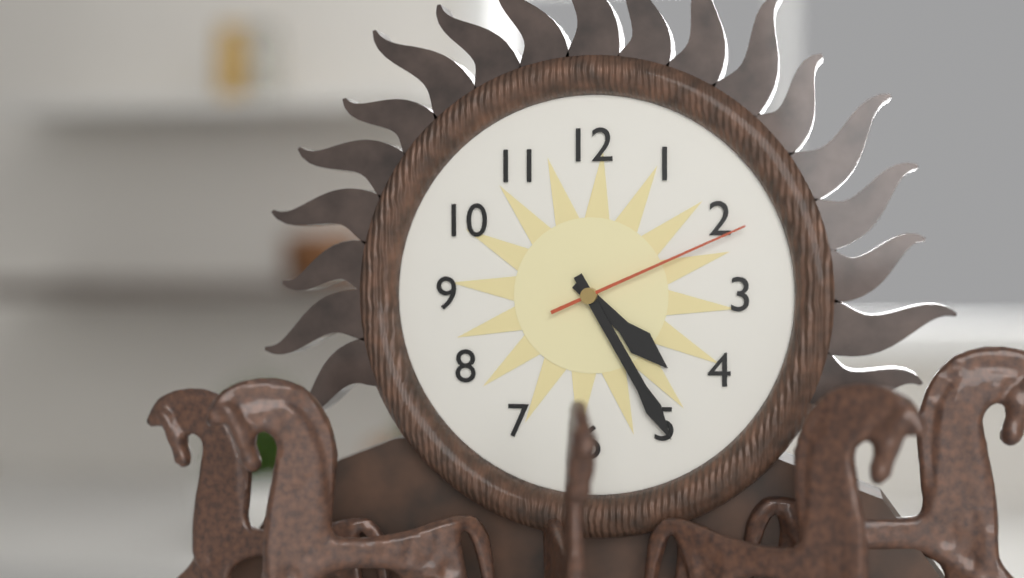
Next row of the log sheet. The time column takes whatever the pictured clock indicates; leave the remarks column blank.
4:25:11
